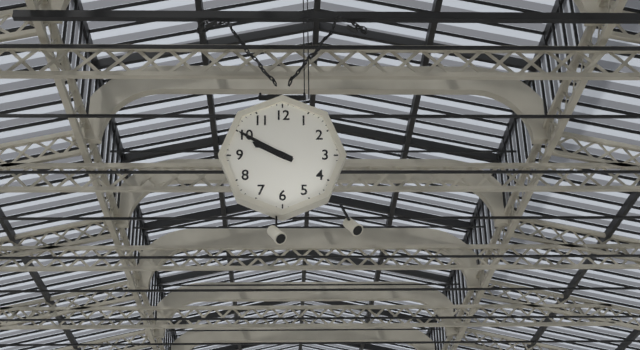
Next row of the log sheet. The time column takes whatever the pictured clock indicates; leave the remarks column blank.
9:50
